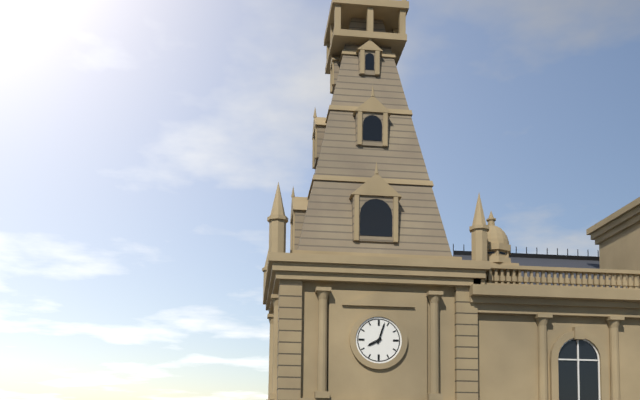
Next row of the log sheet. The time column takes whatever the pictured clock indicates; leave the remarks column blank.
8:03
